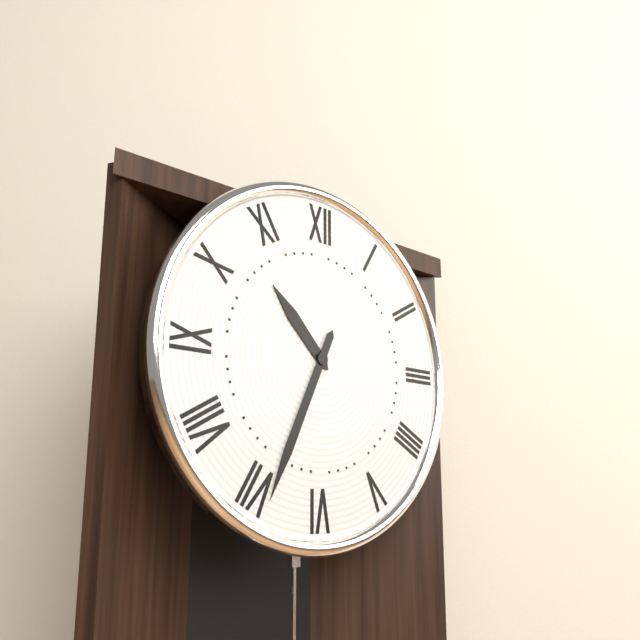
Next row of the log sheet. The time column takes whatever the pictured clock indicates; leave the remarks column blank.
10:34
